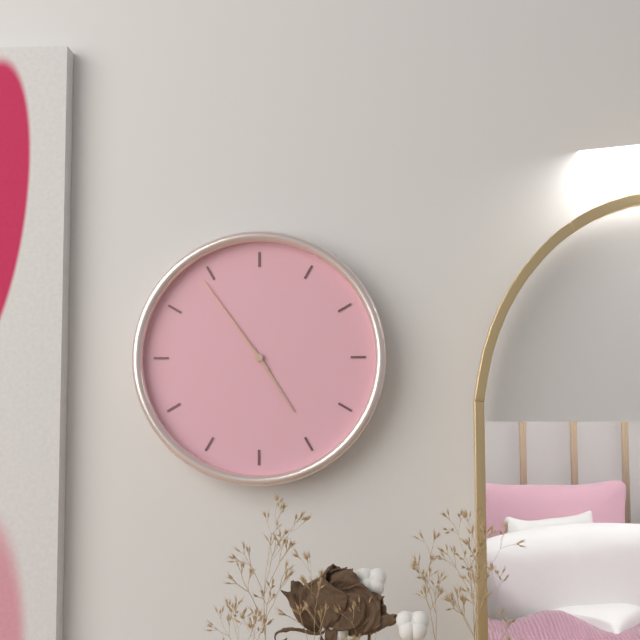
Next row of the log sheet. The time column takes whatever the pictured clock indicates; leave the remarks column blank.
4:54
